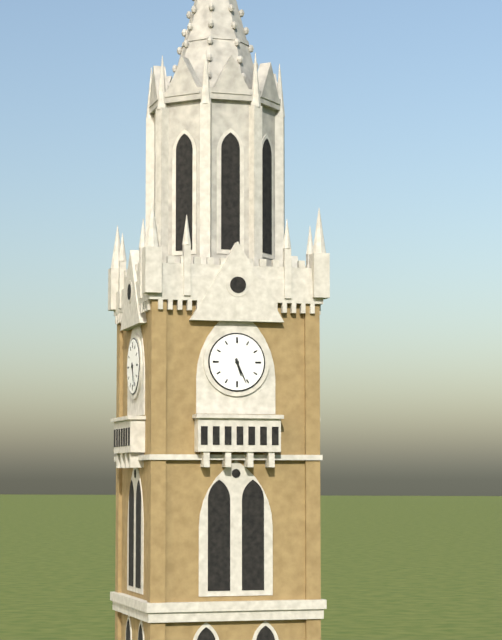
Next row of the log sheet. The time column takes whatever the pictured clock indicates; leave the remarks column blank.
5:26
